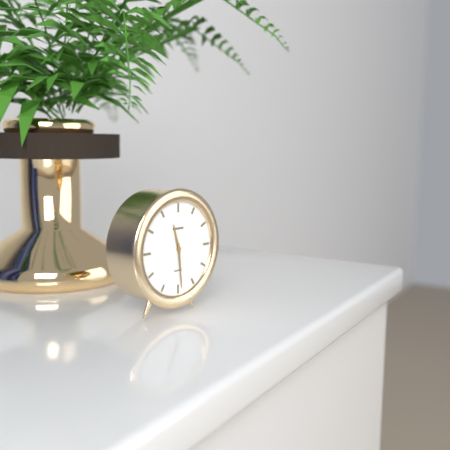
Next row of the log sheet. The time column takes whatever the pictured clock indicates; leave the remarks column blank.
11:29
